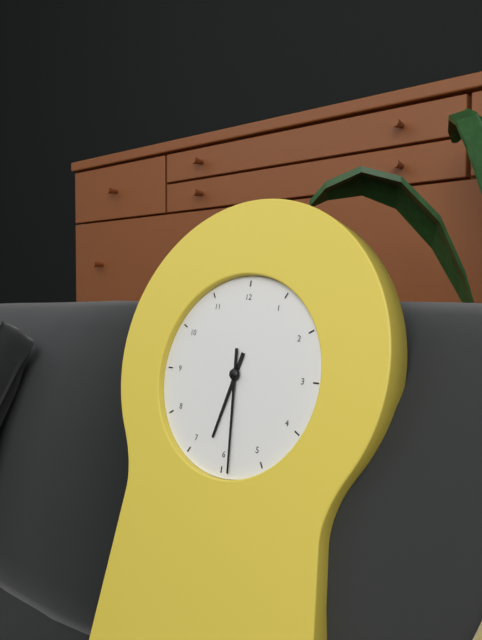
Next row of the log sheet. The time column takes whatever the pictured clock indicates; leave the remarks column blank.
6:29
